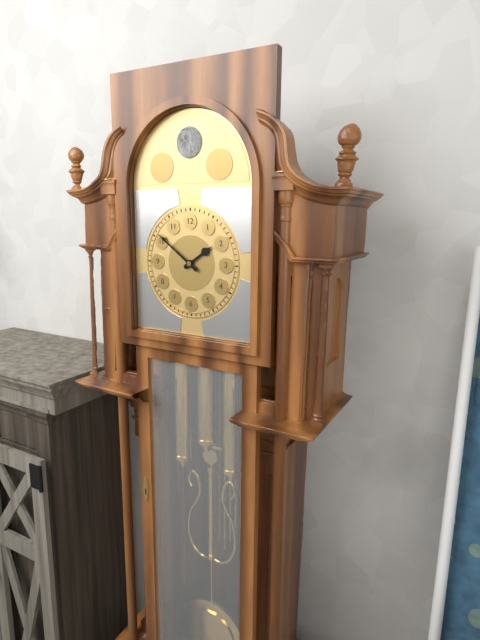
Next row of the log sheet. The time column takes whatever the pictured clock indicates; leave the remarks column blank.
1:51
